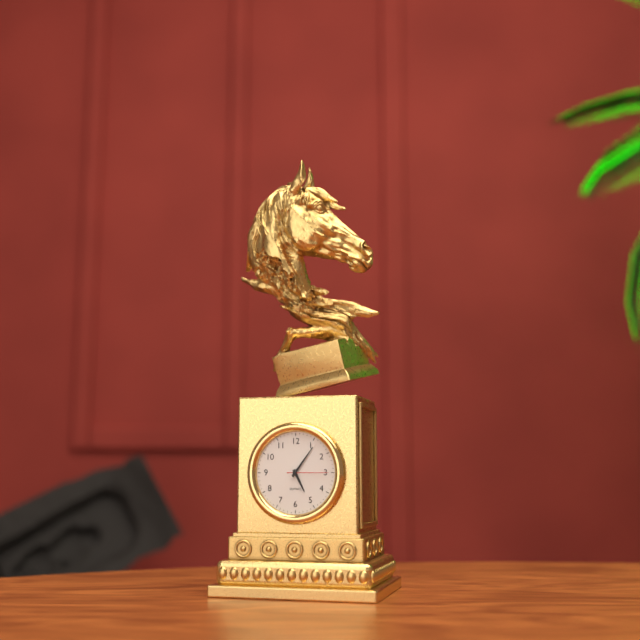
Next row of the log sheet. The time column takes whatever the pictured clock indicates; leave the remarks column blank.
5:06
